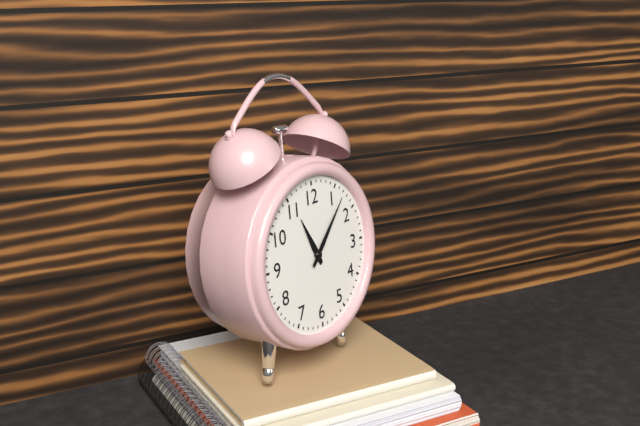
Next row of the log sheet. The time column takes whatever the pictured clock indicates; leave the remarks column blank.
11:07
